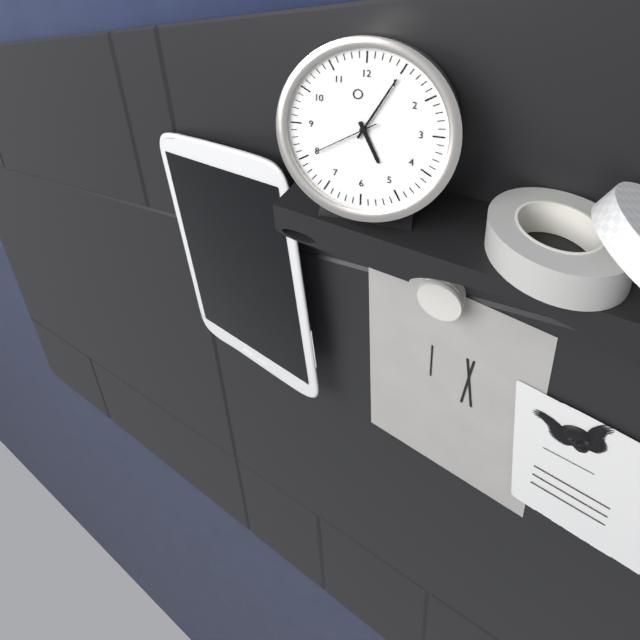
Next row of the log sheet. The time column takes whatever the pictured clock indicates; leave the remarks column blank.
5:05:40
